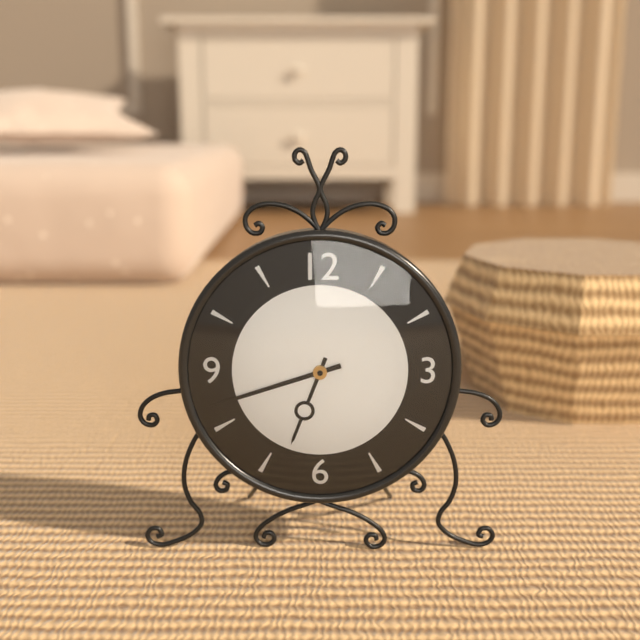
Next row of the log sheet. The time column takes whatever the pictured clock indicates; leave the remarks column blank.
6:42
